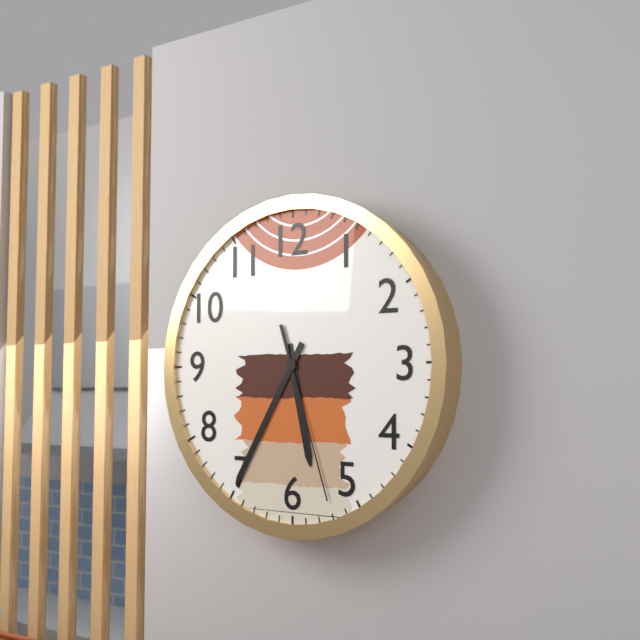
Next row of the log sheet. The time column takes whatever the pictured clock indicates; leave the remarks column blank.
5:35:27
